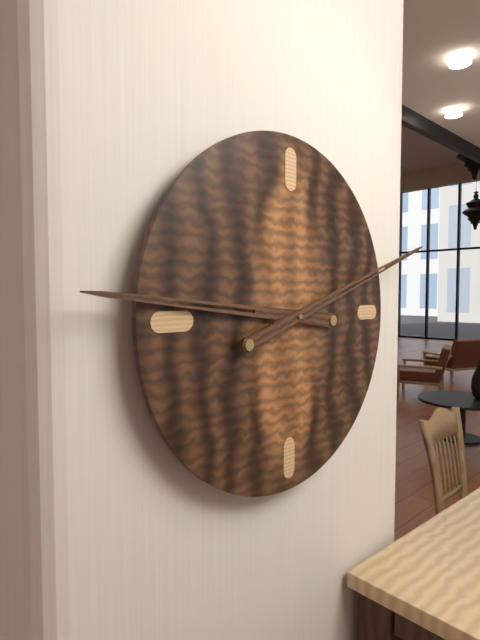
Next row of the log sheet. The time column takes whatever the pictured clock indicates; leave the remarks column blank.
9:12
